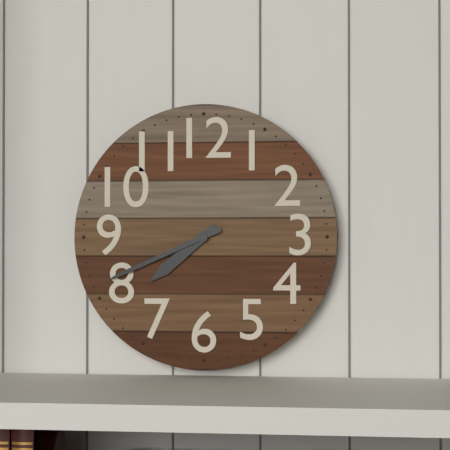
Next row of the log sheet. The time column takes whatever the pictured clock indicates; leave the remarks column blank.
7:41
